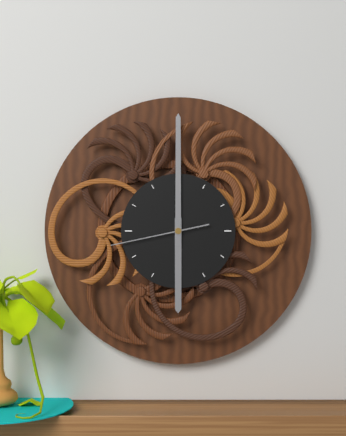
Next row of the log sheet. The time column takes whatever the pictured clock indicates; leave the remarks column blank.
6:00:43
